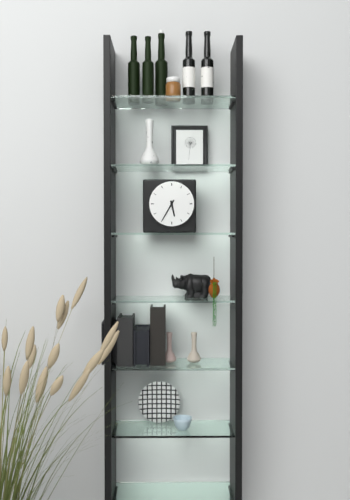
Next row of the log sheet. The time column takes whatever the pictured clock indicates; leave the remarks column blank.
5:35
